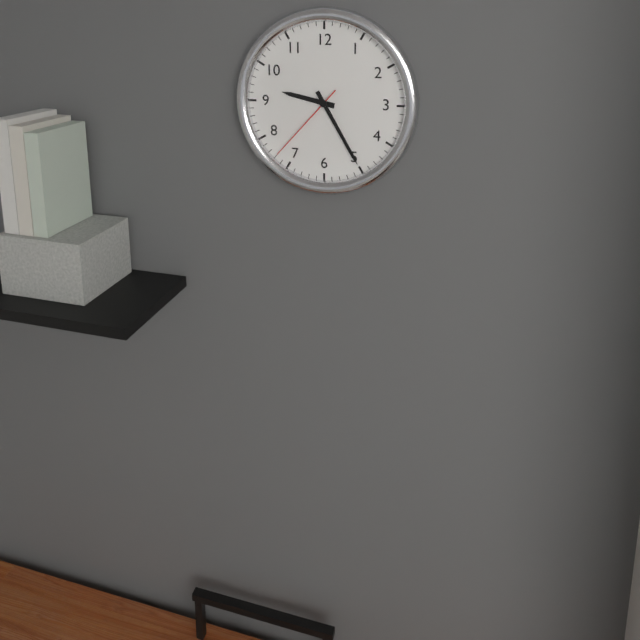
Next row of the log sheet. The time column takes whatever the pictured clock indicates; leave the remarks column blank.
9:25:37
